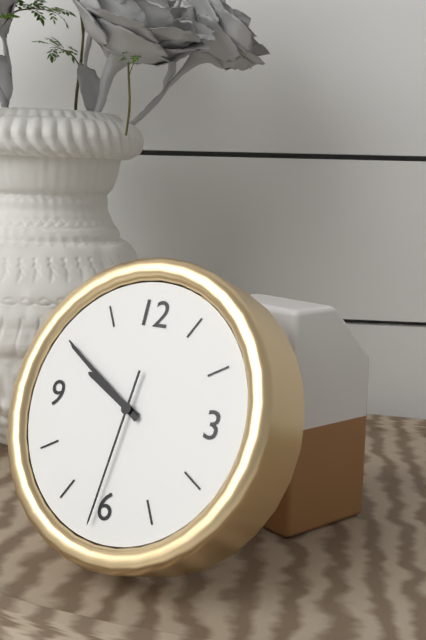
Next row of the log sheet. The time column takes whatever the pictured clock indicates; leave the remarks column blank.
9:50:31
